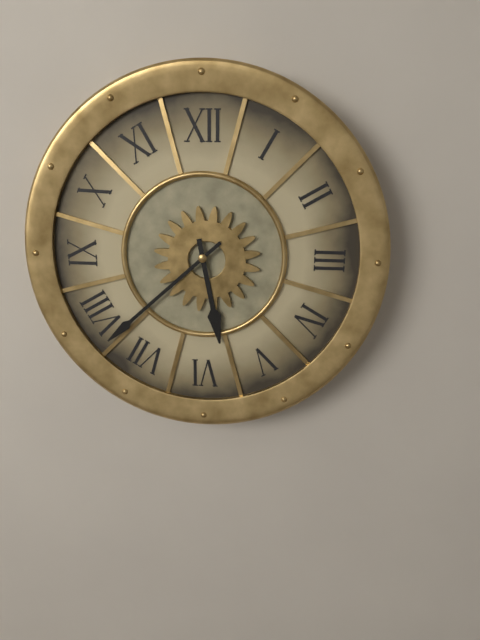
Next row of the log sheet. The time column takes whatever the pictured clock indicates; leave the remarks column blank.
5:38
